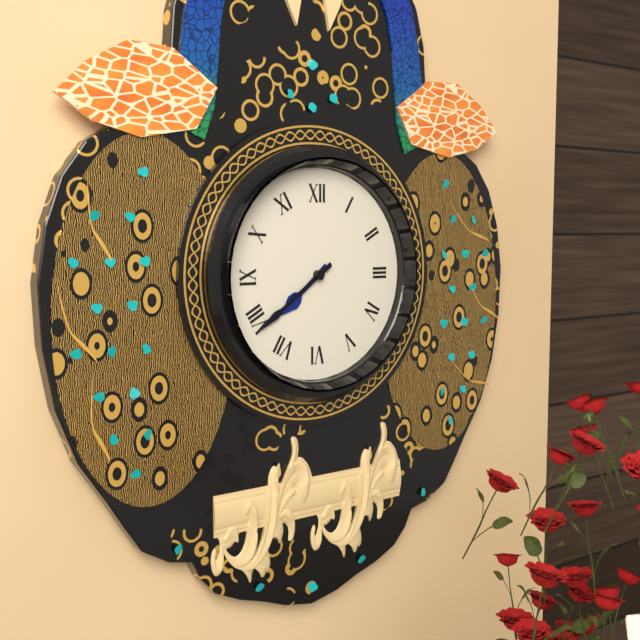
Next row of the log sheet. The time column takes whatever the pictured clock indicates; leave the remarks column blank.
7:39
